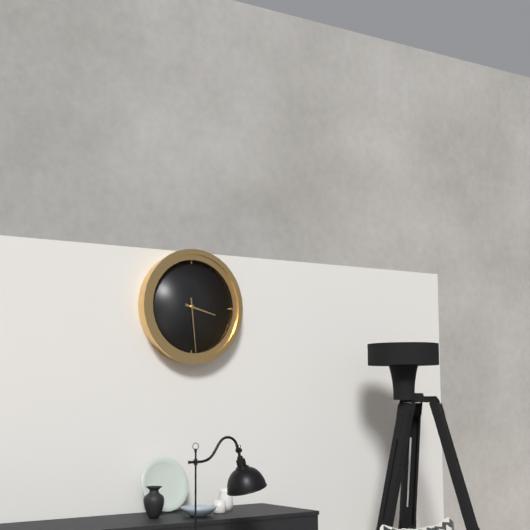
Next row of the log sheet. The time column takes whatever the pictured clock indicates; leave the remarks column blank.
3:29
